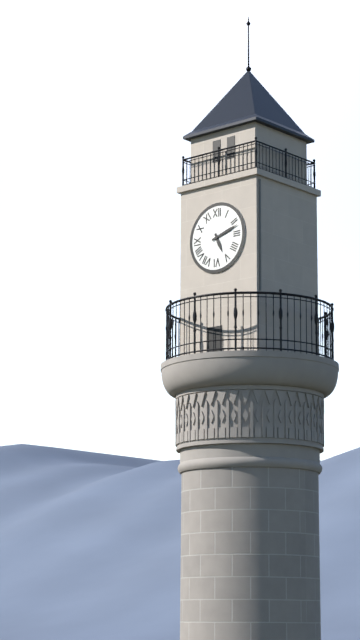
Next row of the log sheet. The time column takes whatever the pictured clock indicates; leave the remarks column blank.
5:12
